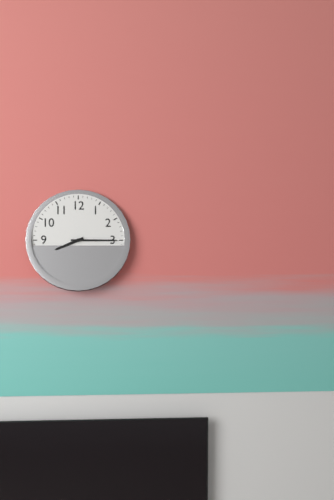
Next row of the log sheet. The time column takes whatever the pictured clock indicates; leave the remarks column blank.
8:15
